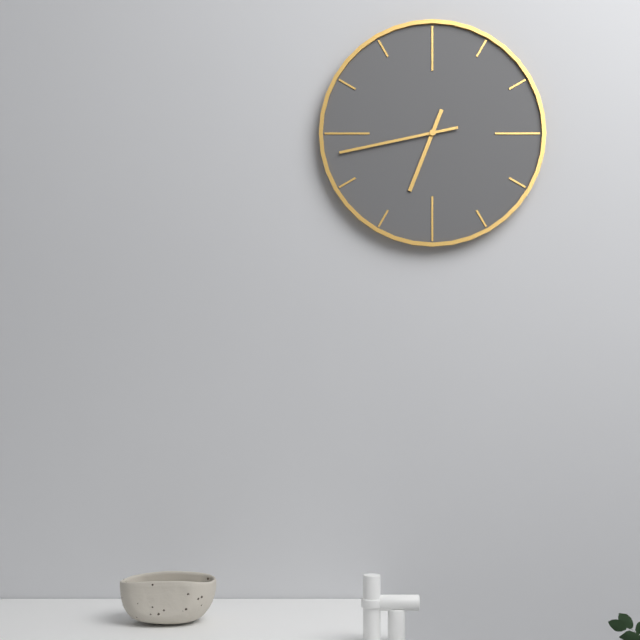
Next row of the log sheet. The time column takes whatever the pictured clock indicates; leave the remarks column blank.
6:43
